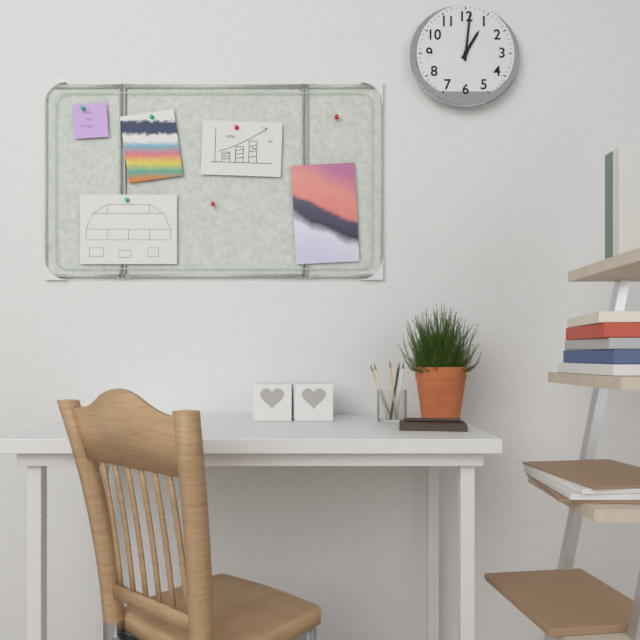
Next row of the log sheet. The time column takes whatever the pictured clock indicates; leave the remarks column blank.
1:01
